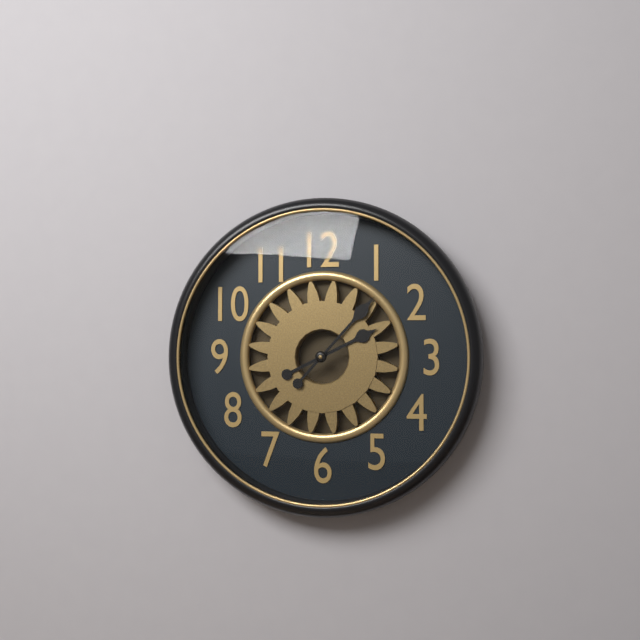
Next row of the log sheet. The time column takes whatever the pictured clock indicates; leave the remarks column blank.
2:07
